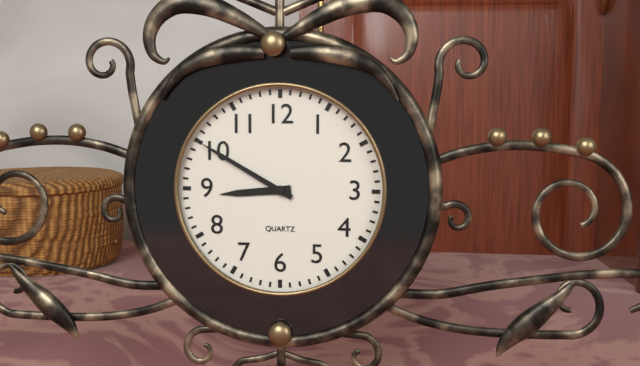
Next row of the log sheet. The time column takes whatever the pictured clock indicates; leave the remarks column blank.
8:50
